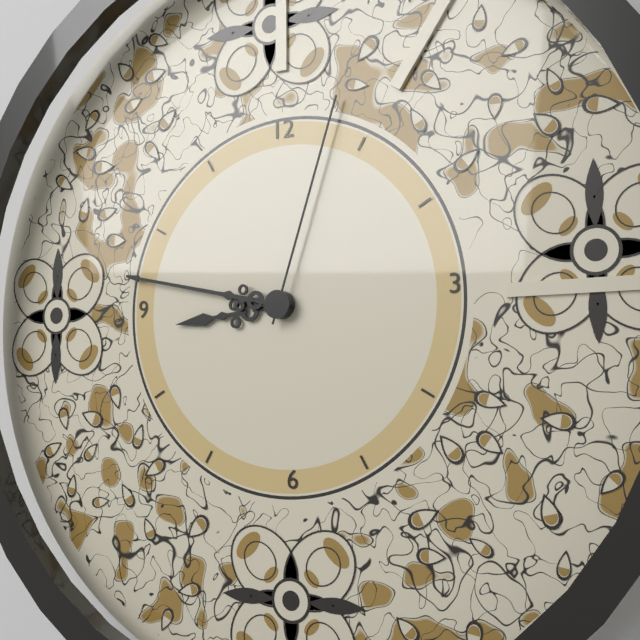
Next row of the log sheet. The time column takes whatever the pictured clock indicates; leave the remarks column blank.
8:47:03
